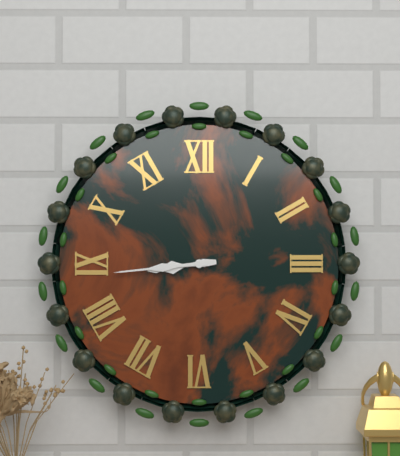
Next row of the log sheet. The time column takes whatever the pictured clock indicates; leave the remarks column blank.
8:44
